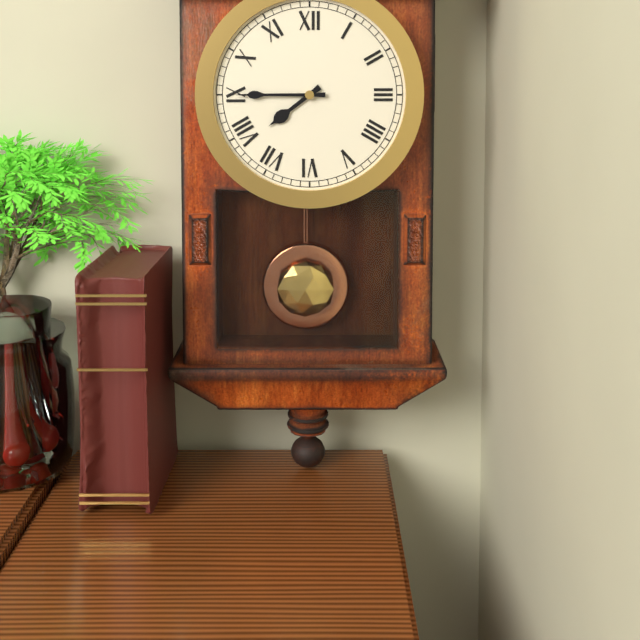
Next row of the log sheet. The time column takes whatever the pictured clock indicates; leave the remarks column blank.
7:45
